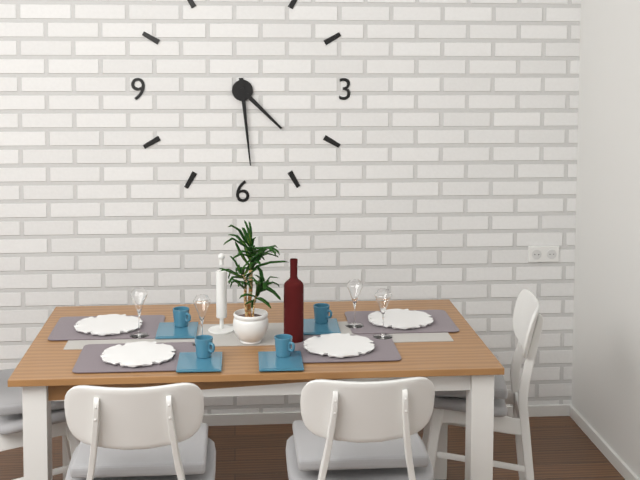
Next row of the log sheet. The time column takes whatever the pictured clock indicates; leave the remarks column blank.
4:29
